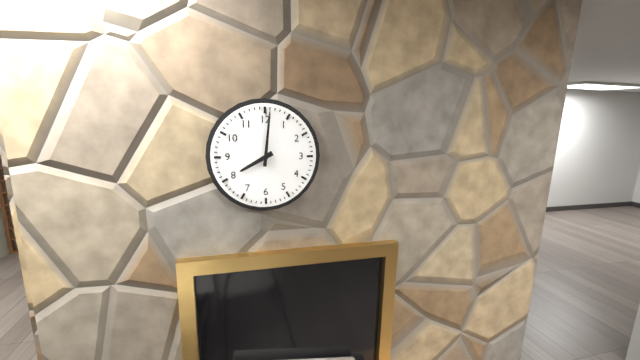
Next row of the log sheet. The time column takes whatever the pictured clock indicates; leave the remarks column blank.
8:01
